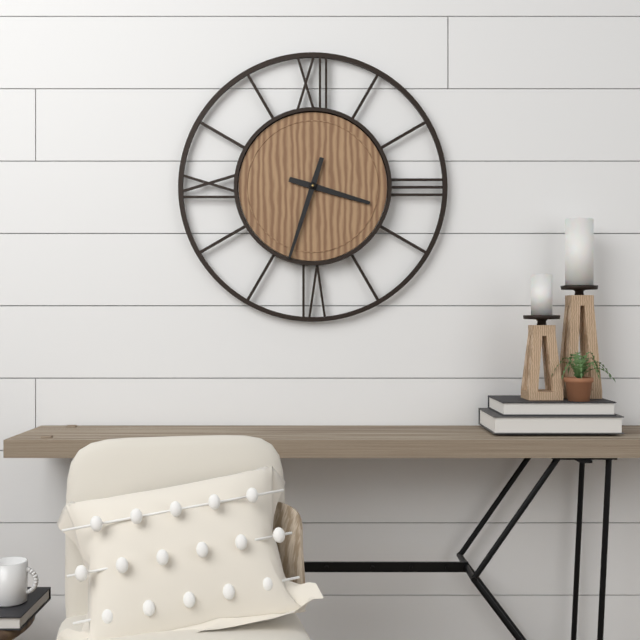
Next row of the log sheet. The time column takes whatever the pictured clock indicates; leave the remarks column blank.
3:33
